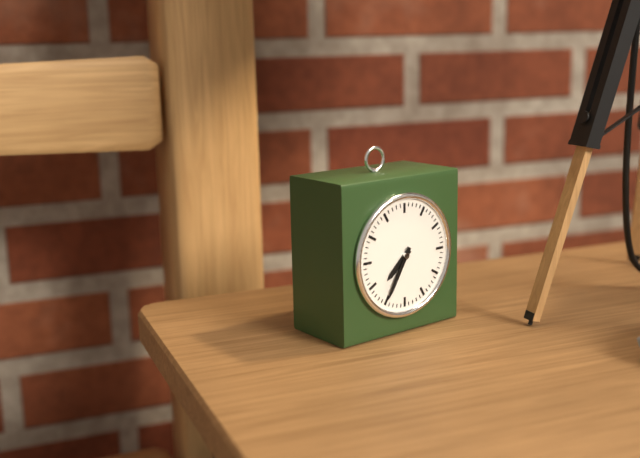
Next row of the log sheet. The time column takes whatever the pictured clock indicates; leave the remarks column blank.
7:35
